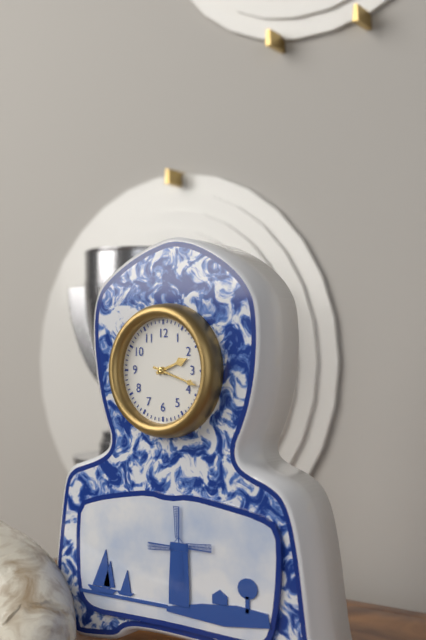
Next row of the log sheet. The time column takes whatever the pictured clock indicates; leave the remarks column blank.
2:18
